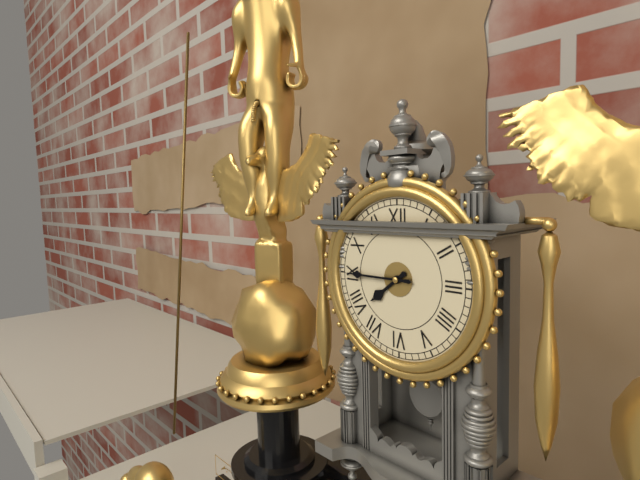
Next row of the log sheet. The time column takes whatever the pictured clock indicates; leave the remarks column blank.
7:45
